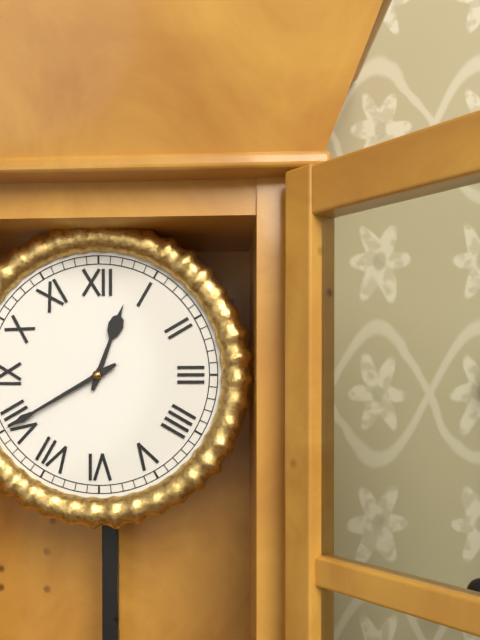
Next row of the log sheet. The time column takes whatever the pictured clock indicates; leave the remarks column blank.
12:40
